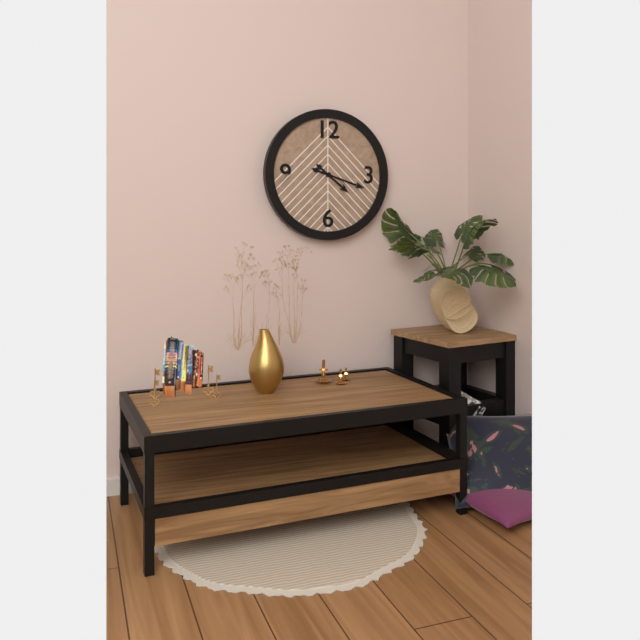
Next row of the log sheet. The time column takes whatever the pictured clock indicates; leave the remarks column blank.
4:18
